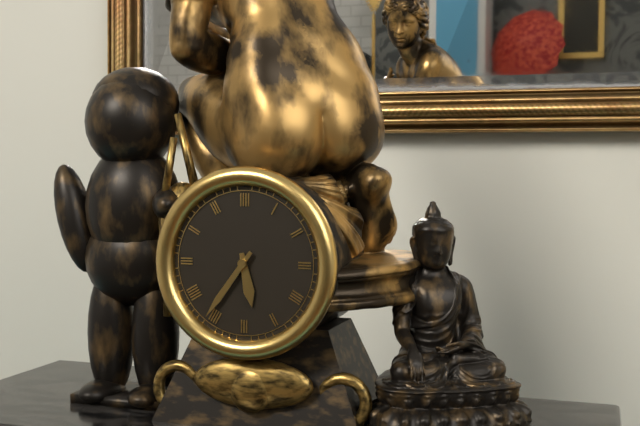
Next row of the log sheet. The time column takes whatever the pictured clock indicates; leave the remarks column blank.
5:36
